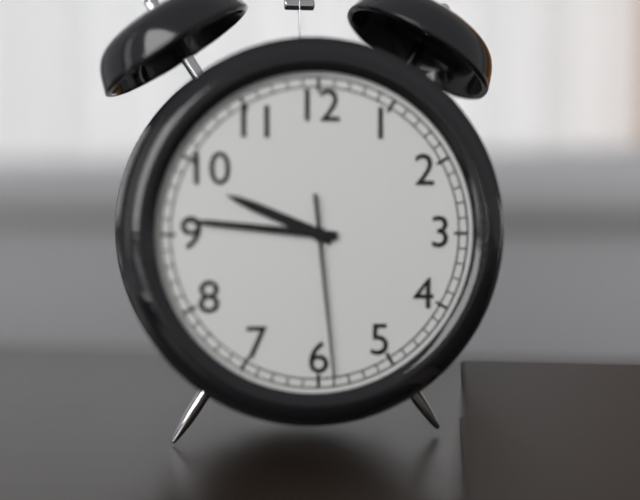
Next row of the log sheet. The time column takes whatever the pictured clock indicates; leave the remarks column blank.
9:46:29
